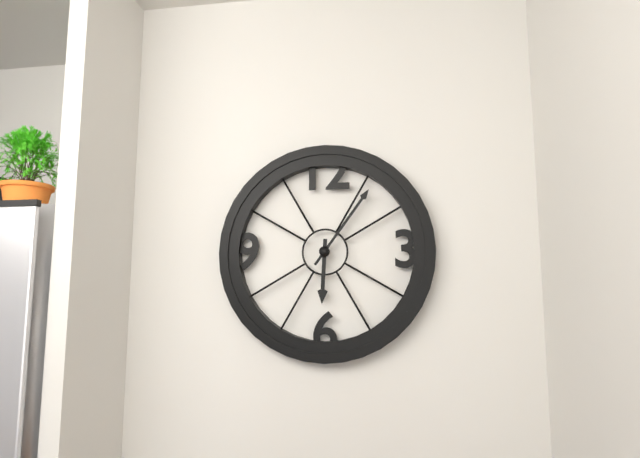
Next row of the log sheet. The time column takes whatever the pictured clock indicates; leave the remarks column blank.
6:06
